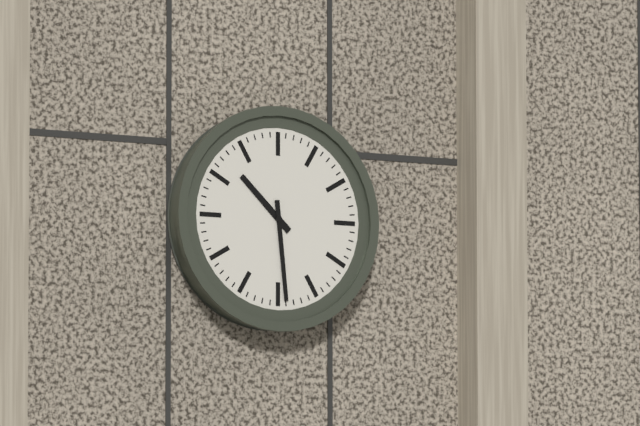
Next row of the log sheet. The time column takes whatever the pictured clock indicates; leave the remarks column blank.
10:29
